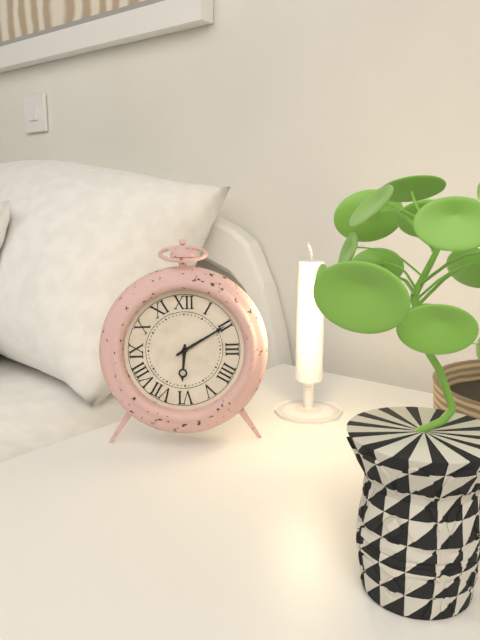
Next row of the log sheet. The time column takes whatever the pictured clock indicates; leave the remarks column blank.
6:10
